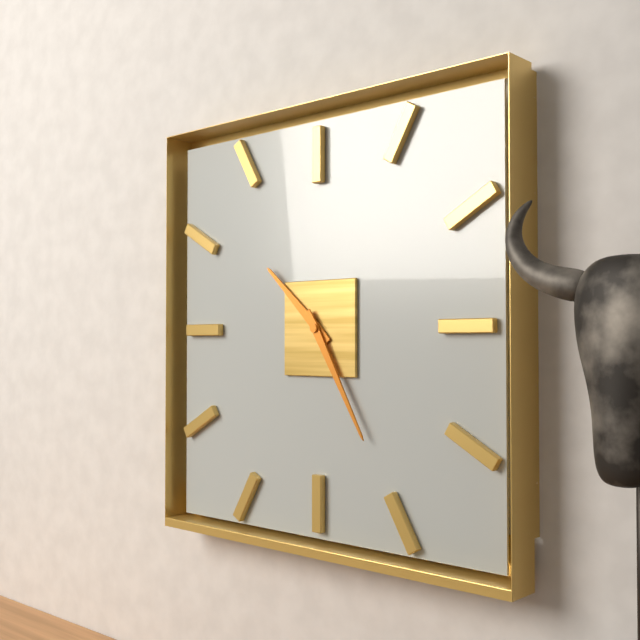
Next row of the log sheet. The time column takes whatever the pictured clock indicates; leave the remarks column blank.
10:25
